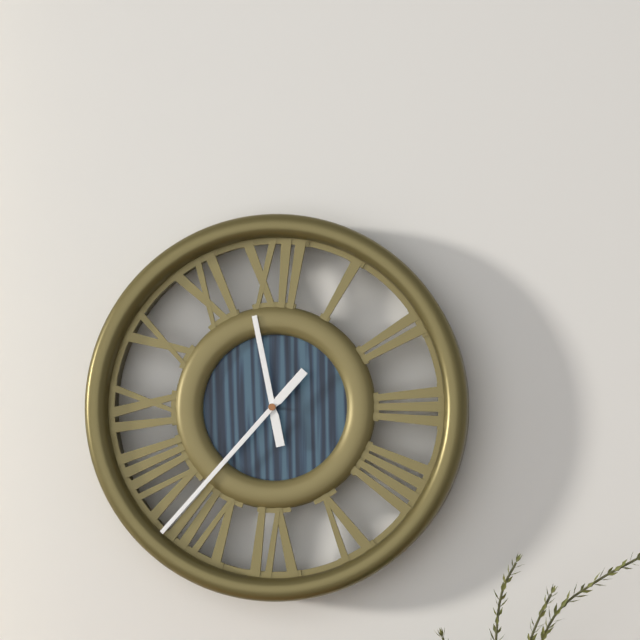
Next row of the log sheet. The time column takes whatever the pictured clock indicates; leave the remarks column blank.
11:37
